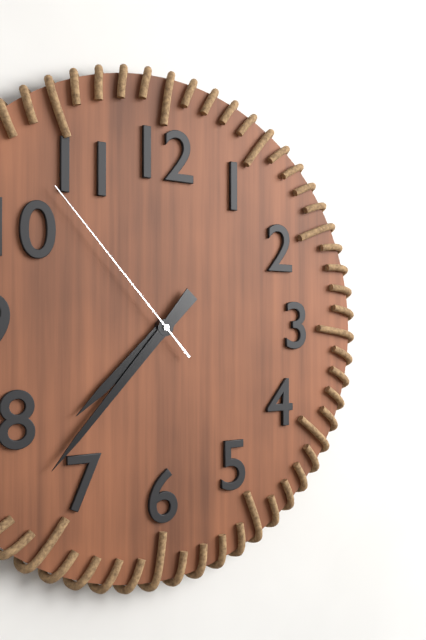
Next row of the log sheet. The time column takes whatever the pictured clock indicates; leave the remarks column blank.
7:37:53
